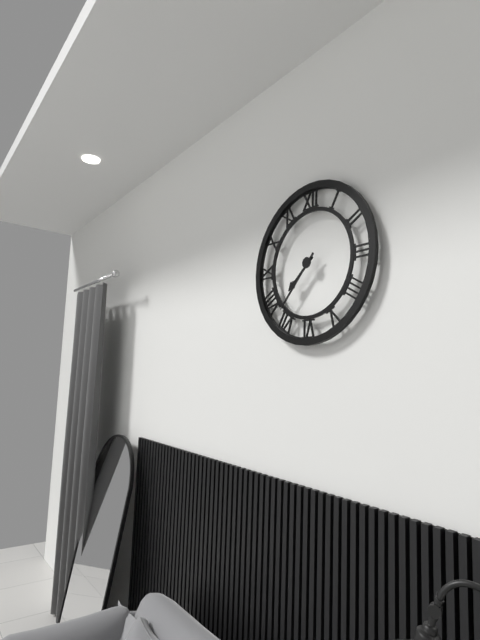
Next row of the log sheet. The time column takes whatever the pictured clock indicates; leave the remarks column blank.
7:37
